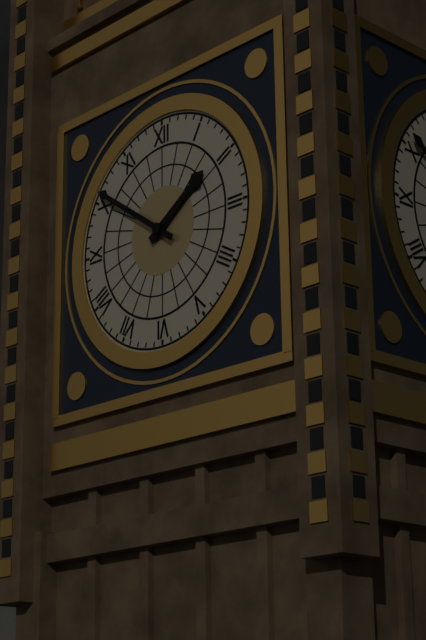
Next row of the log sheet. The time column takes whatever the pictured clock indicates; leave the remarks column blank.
1:51
